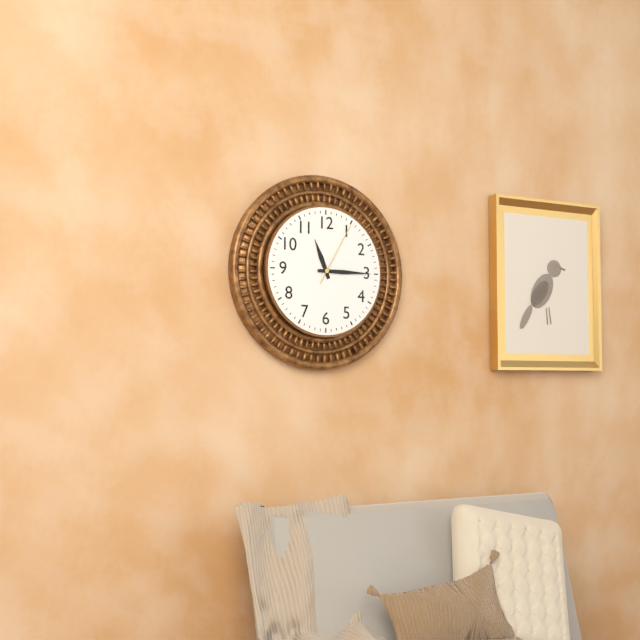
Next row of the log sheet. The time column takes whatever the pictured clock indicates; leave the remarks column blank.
11:15:05
